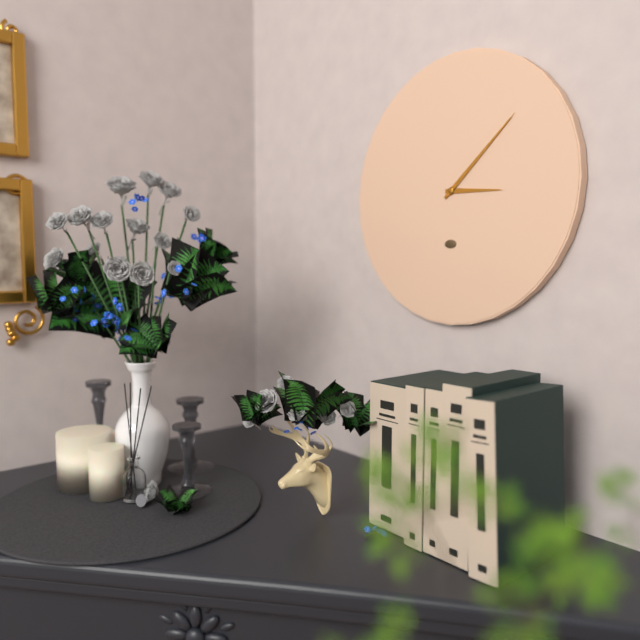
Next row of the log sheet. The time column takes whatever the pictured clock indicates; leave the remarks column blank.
3:08
